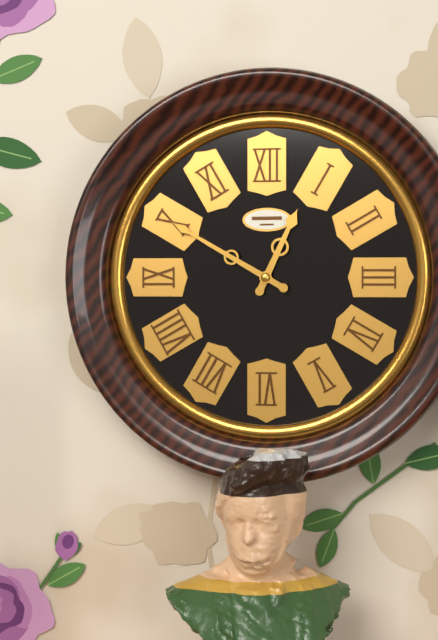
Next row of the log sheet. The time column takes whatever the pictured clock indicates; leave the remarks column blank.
12:50
